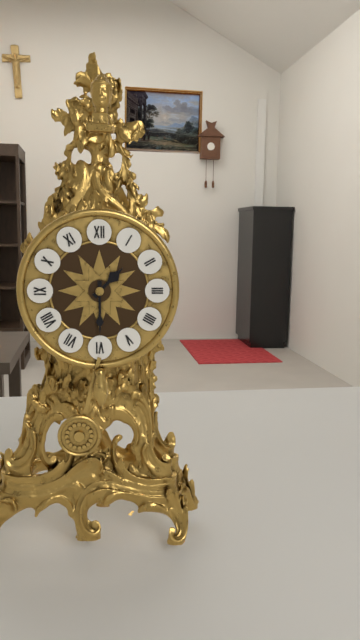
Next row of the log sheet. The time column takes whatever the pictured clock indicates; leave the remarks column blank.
1:30
